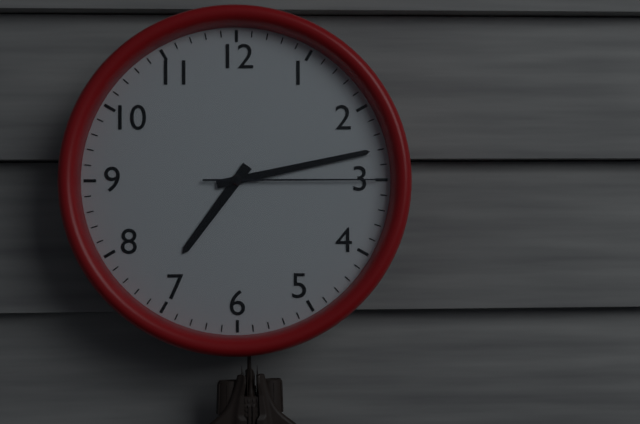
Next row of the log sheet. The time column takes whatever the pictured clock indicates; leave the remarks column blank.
7:13:15
